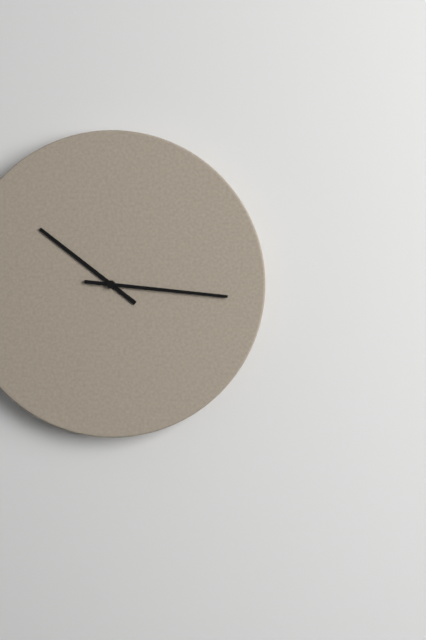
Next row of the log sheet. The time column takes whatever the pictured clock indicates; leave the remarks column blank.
10:16
